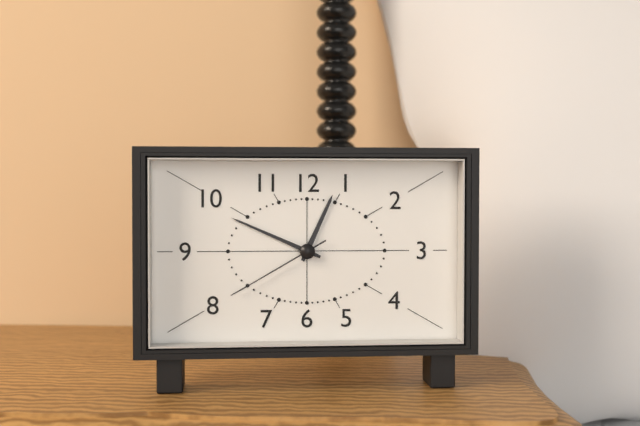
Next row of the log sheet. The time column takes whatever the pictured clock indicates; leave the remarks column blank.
12:49:40
